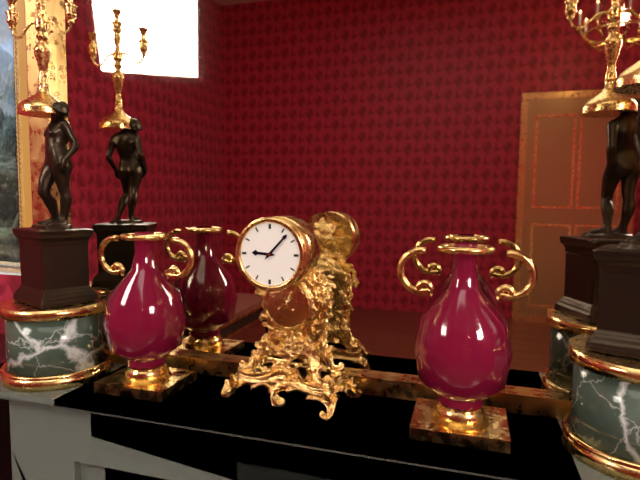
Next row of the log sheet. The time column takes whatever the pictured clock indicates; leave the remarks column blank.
9:07
